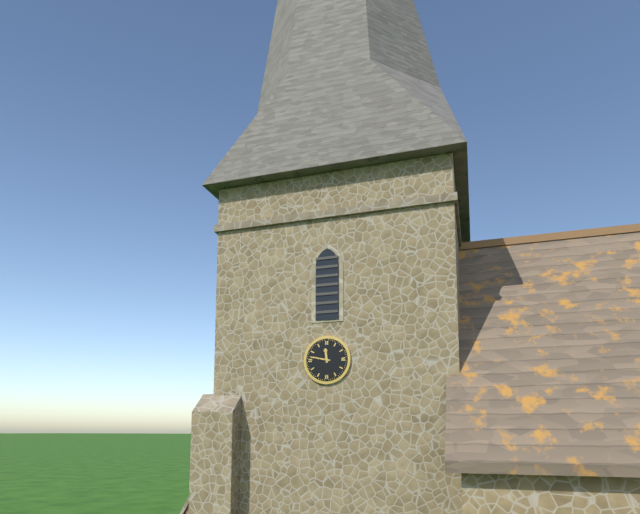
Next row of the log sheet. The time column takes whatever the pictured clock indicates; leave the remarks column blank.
11:47
